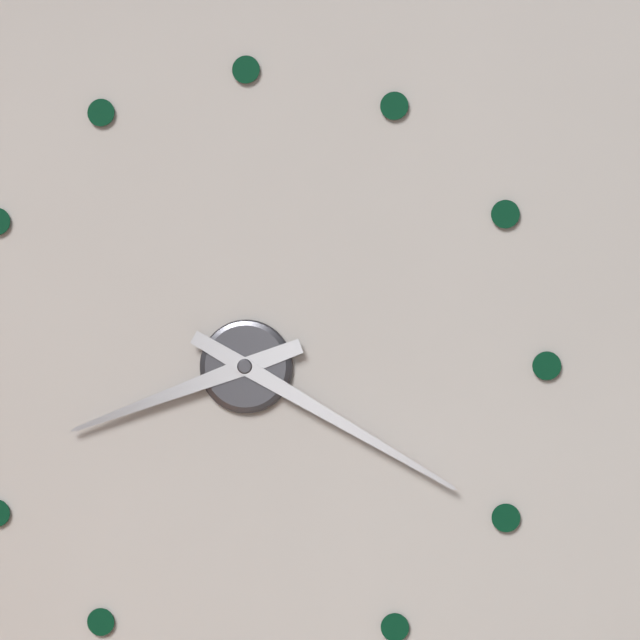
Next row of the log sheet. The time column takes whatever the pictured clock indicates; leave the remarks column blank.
8:20
